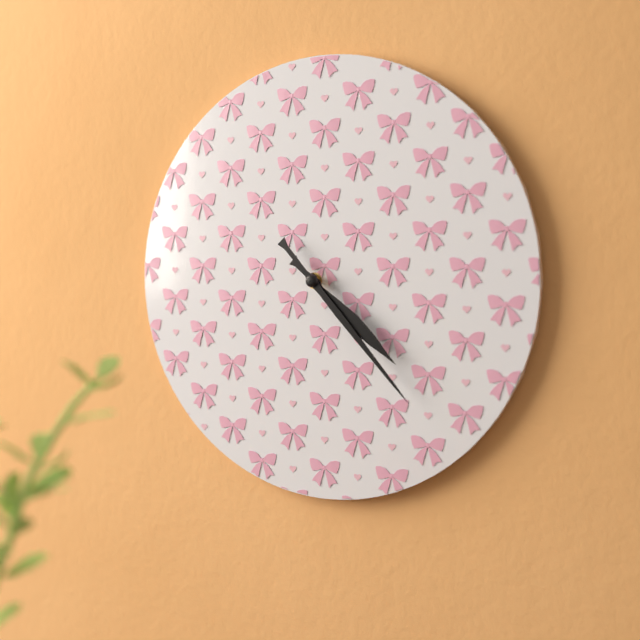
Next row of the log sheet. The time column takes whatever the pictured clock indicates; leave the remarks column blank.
4:23
